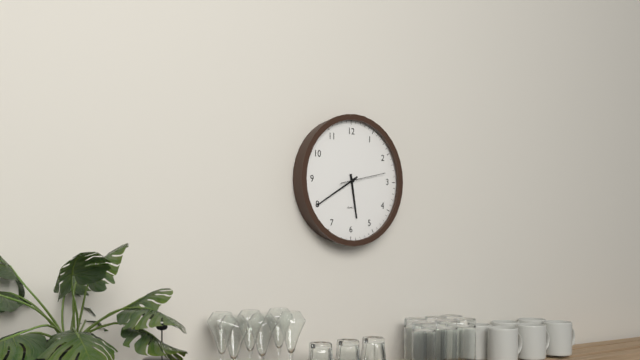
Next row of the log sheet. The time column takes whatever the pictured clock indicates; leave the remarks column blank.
5:40
